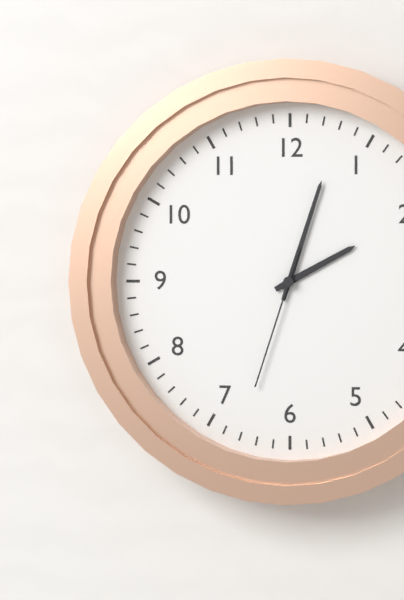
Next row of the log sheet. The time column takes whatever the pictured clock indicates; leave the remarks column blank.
2:03:33
